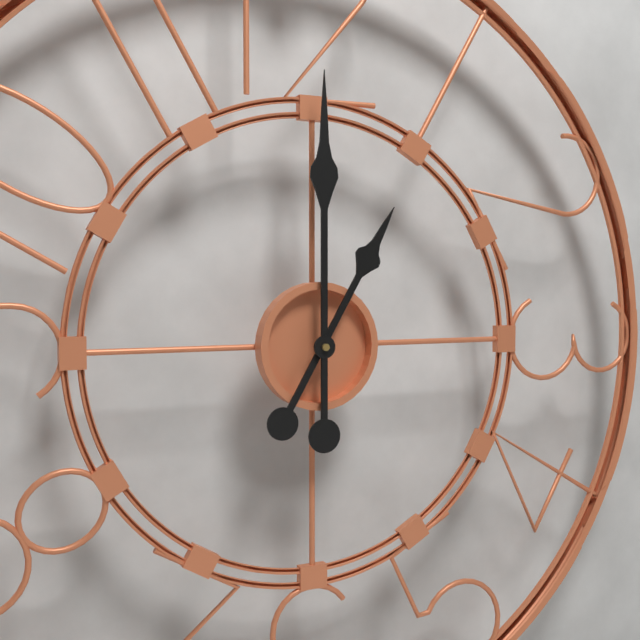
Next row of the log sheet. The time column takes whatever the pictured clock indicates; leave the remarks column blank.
1:00
